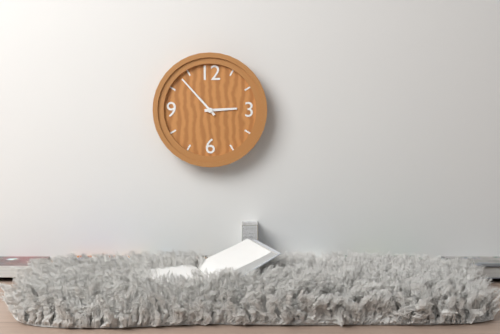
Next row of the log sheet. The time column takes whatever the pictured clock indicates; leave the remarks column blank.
2:53
